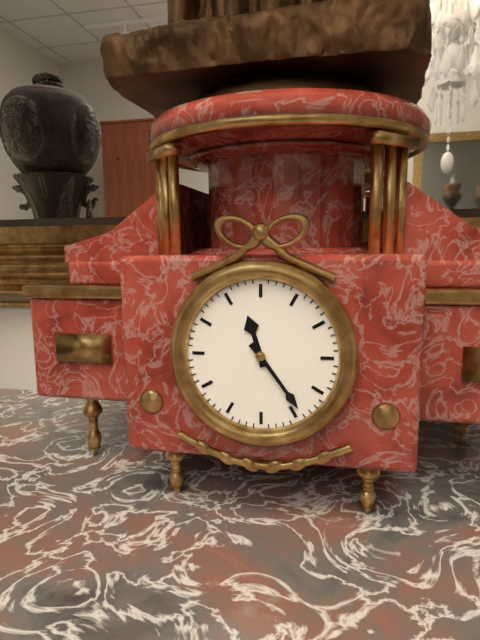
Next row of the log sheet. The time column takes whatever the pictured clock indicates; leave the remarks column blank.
11:24
